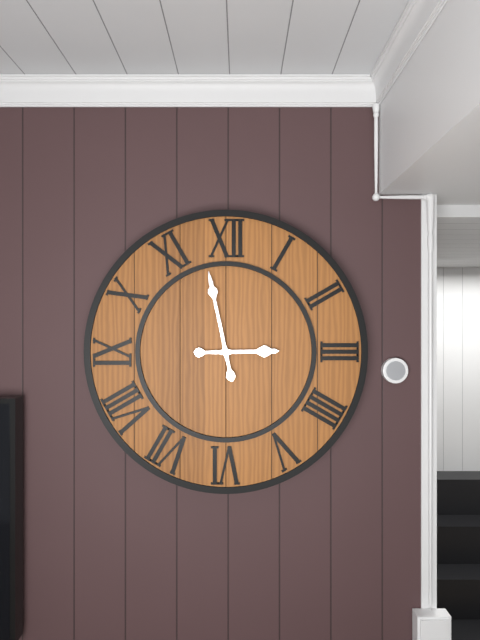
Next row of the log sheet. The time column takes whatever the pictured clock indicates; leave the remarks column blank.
2:58
